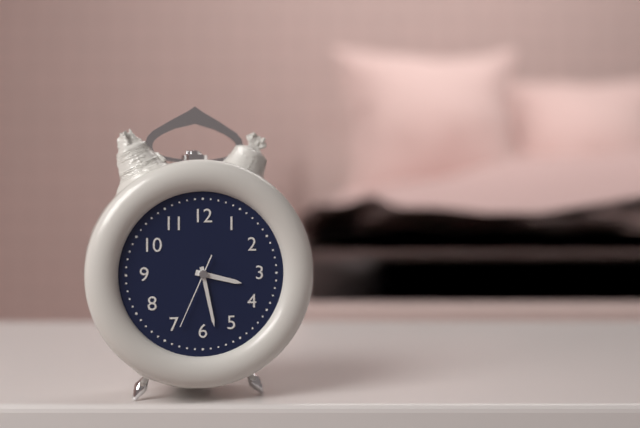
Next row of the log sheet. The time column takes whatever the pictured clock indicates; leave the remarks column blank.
3:28:34
